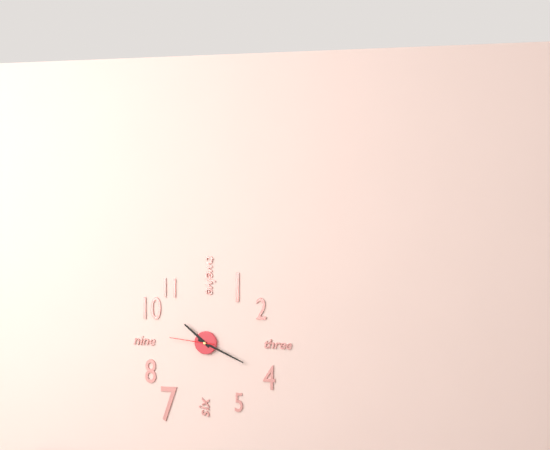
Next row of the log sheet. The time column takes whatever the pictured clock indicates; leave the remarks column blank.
10:19
